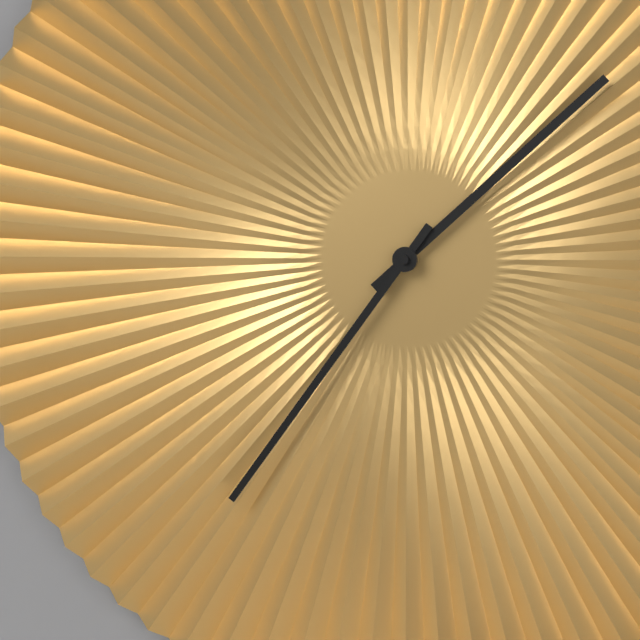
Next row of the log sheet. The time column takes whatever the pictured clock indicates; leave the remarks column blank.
1:36
